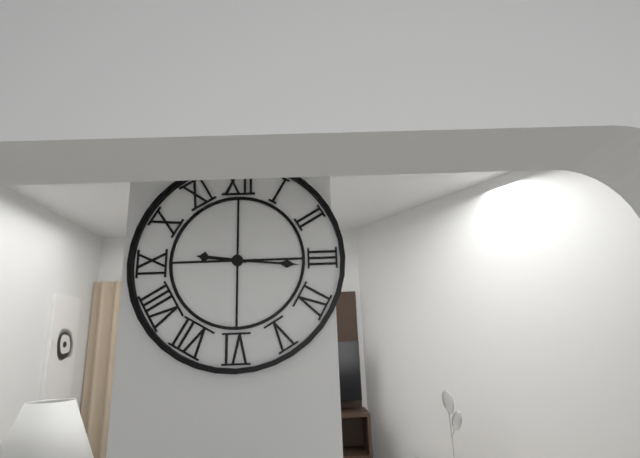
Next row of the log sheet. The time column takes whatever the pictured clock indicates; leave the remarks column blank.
9:16
